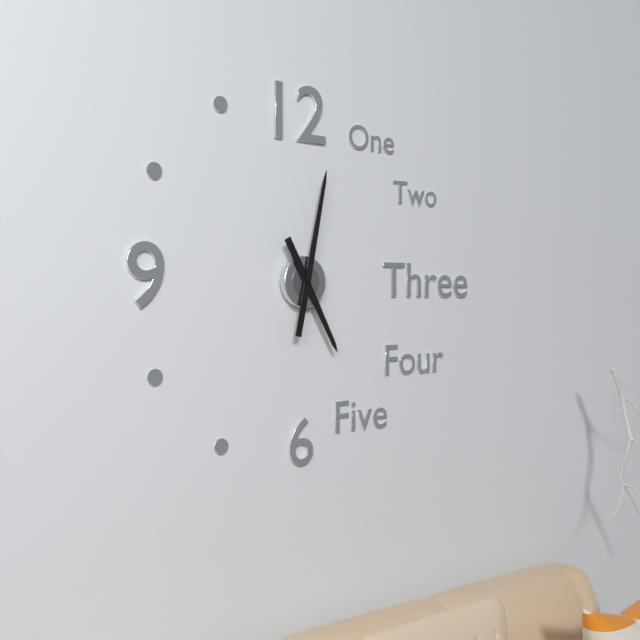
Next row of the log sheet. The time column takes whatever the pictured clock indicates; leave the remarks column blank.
5:02
